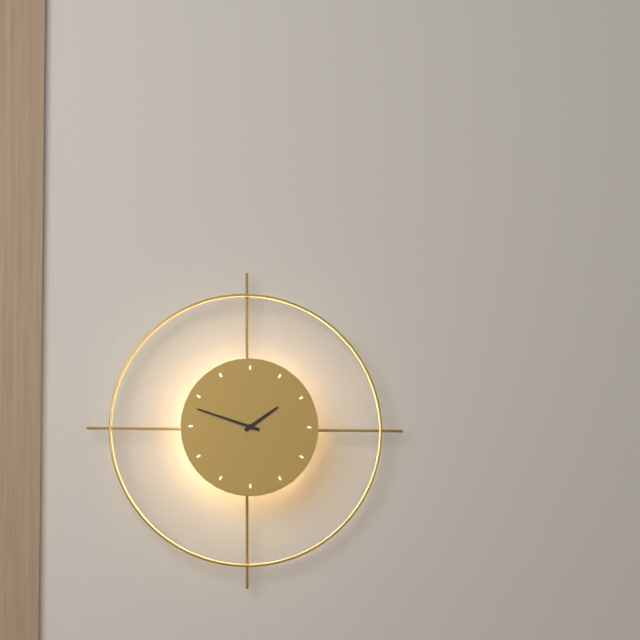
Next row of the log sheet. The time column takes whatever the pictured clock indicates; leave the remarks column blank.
1:48
